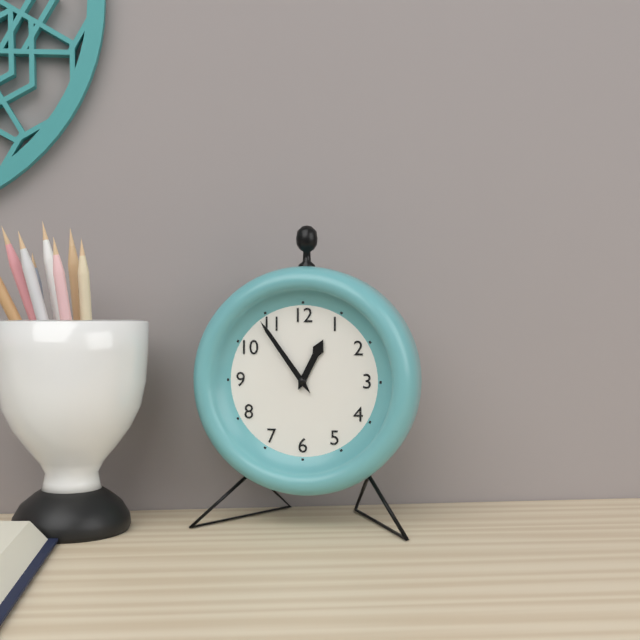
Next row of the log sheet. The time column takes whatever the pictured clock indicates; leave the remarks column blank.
12:54
